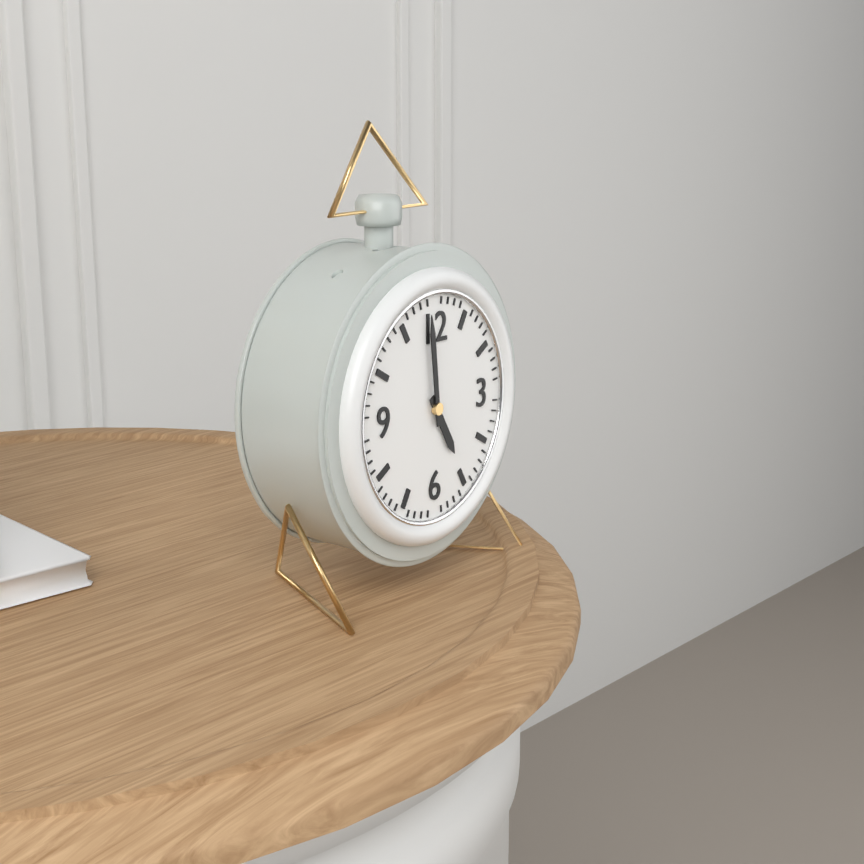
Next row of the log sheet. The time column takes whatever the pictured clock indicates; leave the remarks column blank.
4:59
